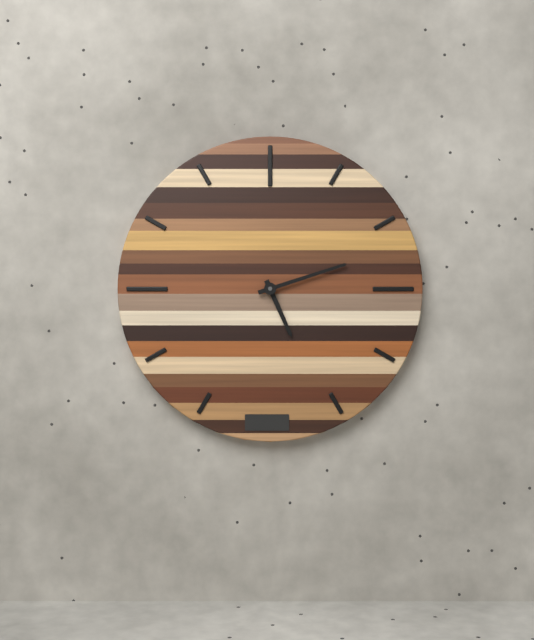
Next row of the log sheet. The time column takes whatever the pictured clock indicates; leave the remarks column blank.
5:12
